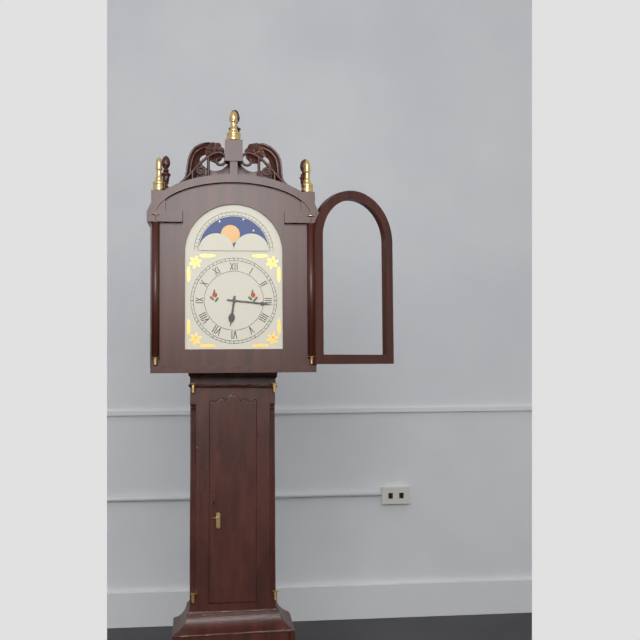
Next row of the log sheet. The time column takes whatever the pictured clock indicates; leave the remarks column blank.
6:16
